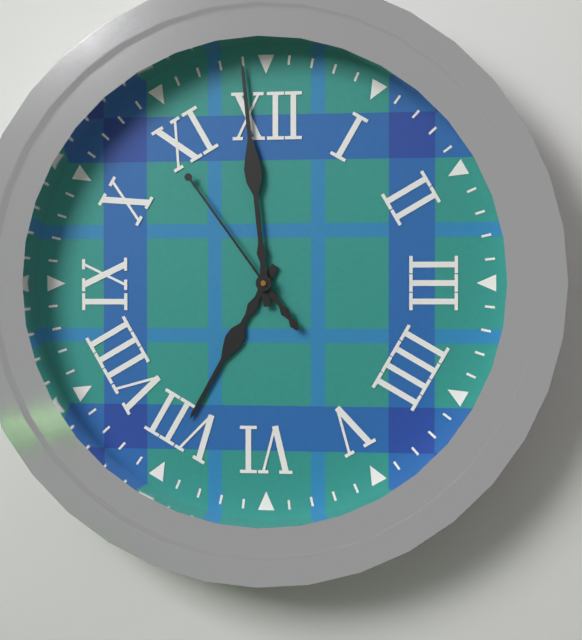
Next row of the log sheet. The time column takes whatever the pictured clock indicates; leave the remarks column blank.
6:59:54
